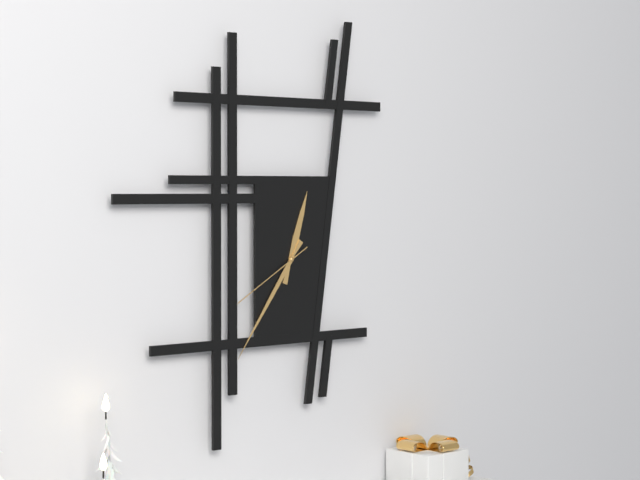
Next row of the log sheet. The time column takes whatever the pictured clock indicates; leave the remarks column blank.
12:36:40
